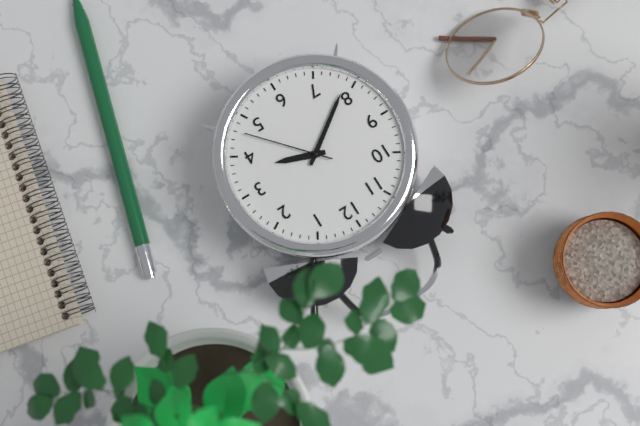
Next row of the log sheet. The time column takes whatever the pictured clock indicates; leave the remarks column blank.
3:39:23
